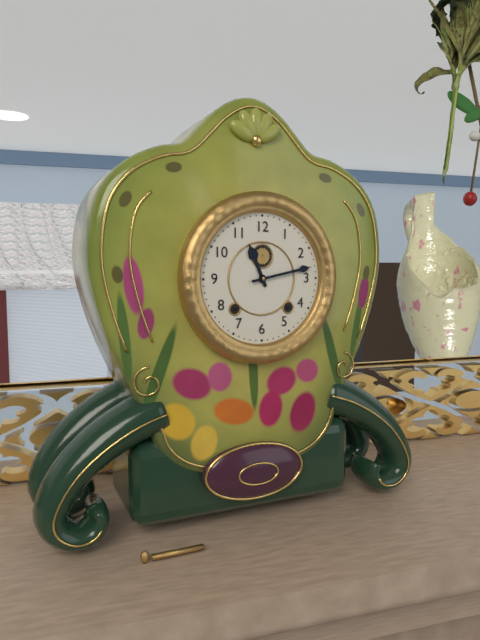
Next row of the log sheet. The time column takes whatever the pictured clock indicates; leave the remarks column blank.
11:13
